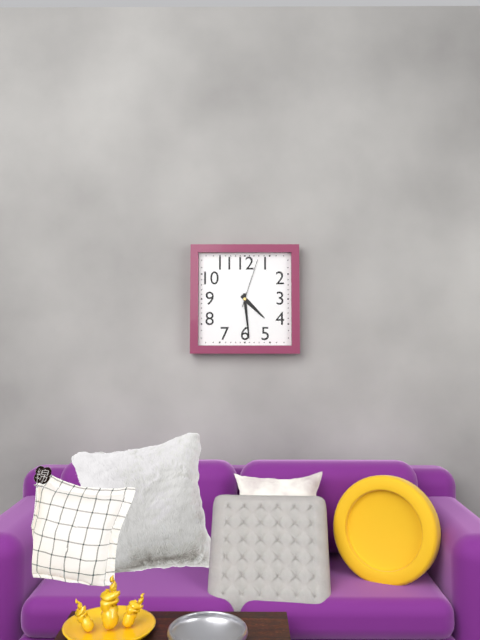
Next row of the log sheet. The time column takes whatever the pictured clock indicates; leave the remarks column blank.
4:29:03
